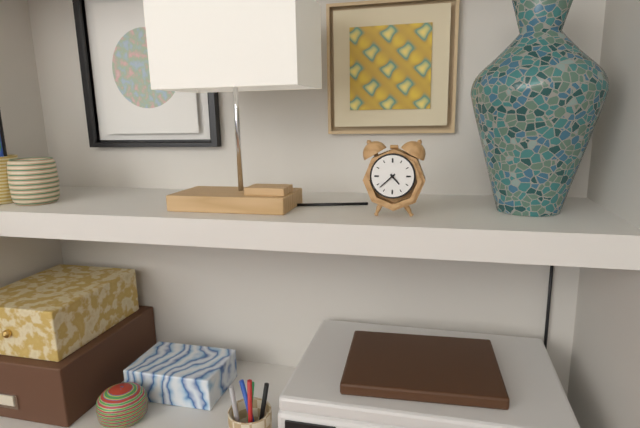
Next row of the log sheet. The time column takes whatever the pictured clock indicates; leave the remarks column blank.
4:38
